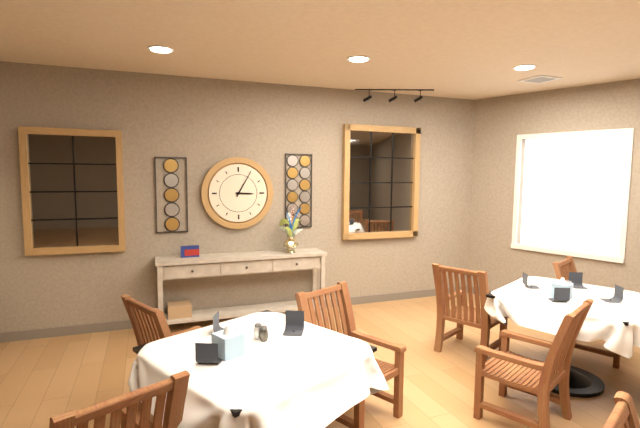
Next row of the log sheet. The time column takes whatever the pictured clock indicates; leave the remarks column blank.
3:05
